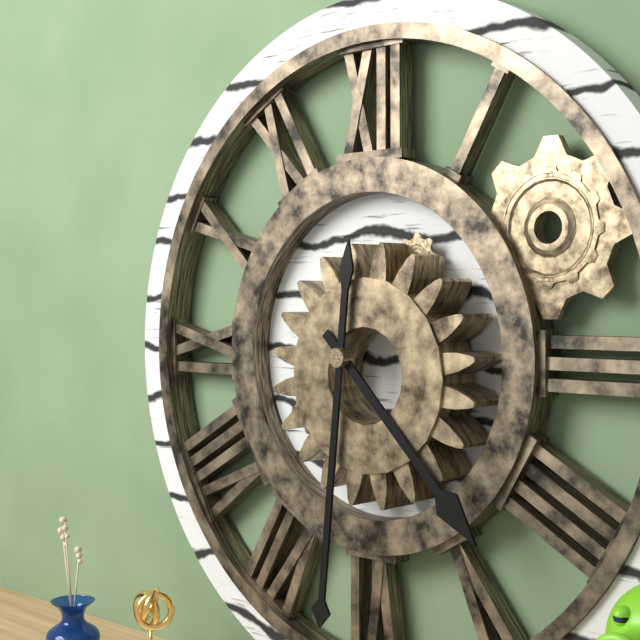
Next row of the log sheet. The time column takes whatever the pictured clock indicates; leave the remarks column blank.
4:31
